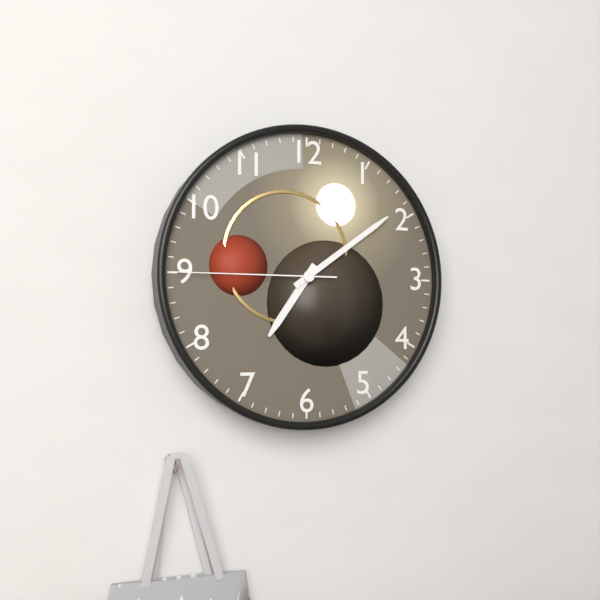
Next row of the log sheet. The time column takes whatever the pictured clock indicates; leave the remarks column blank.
7:09:45
